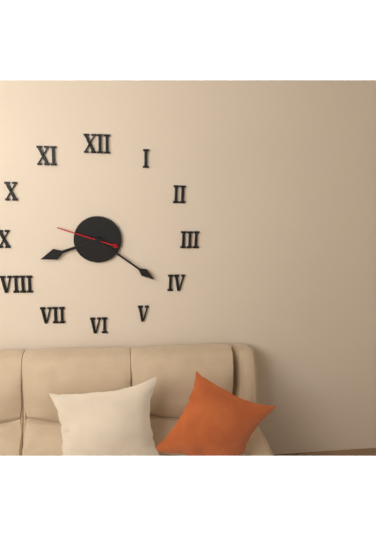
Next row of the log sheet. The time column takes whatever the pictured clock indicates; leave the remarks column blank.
8:21:48
